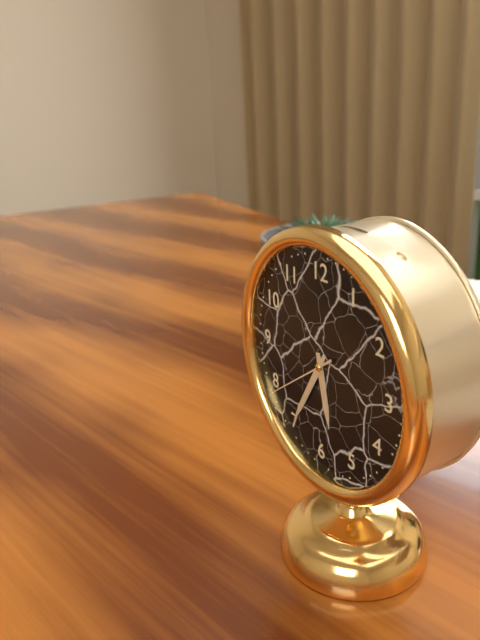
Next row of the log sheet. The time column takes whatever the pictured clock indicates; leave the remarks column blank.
5:35:39
